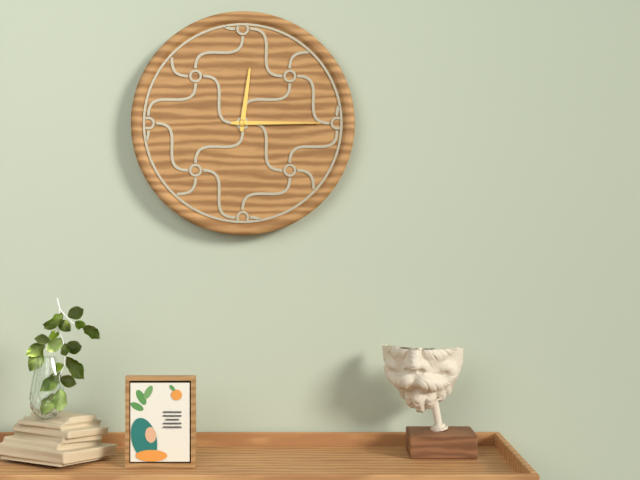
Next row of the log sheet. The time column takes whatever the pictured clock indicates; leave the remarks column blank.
12:15
